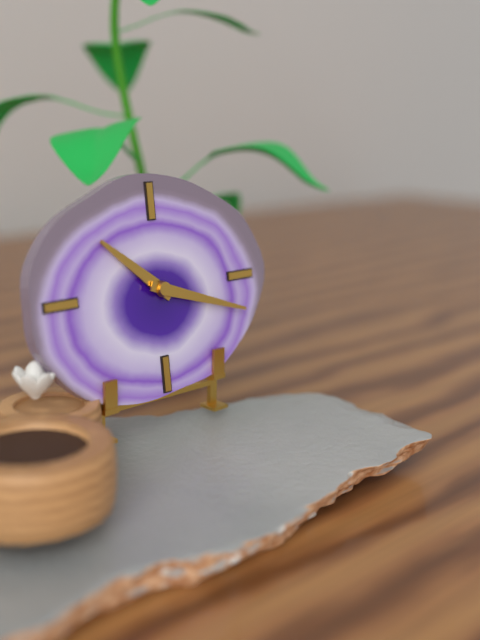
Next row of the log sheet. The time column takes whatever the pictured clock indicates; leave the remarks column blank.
10:18
